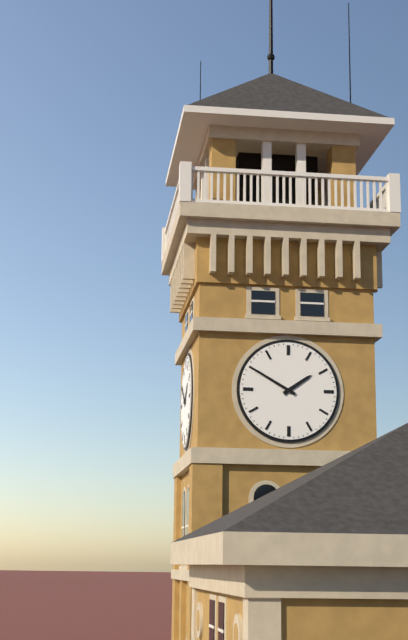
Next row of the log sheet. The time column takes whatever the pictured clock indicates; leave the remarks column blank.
1:50
